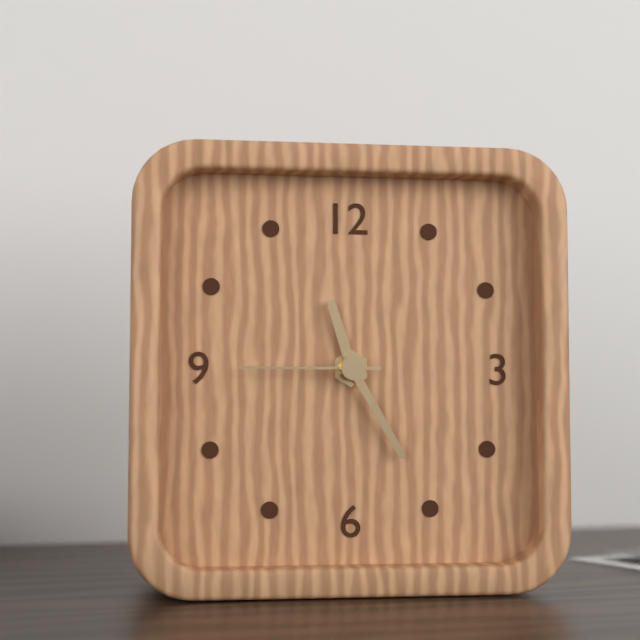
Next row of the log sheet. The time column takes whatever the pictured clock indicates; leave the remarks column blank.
11:25:45
